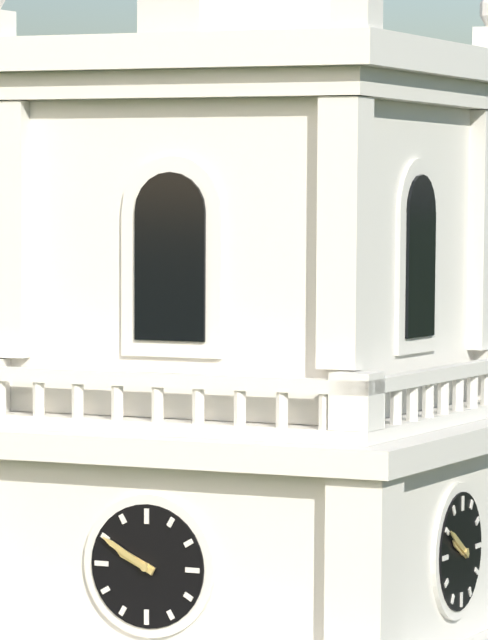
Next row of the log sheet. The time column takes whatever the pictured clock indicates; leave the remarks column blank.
9:50
